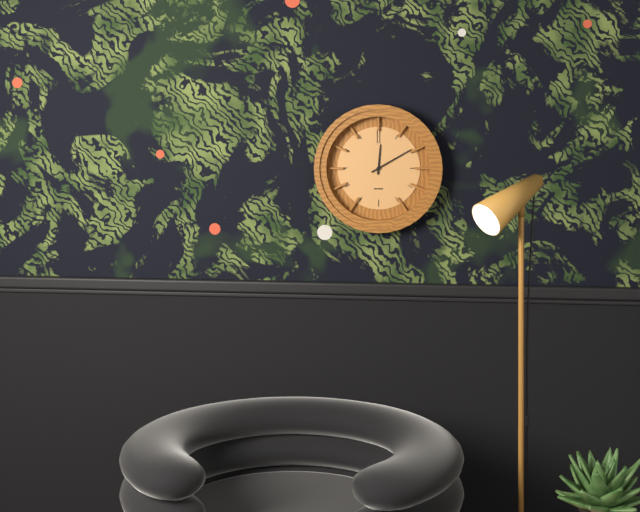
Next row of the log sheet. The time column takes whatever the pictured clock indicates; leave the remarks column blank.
12:10
